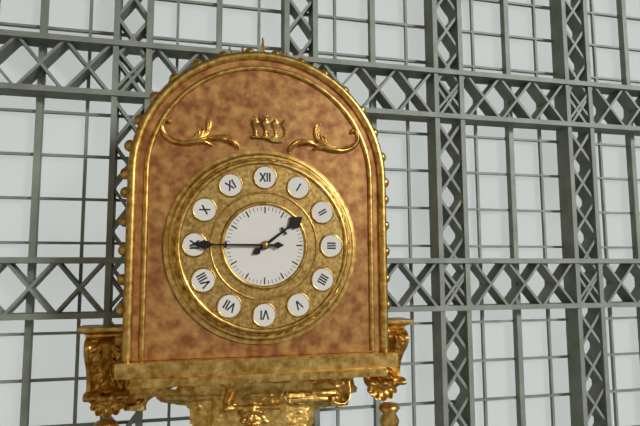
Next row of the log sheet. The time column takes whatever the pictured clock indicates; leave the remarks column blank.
1:45
